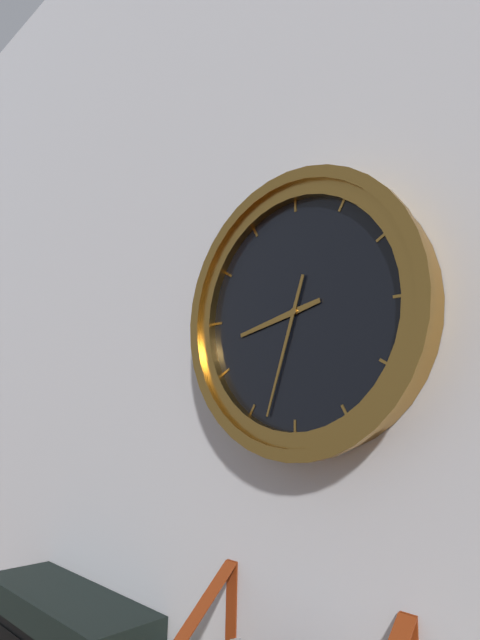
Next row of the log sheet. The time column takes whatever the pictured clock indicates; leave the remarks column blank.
8:33
